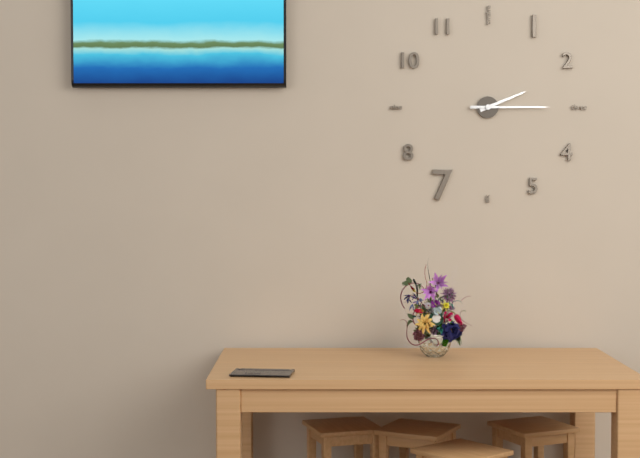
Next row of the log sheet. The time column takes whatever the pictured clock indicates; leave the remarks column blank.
2:15
